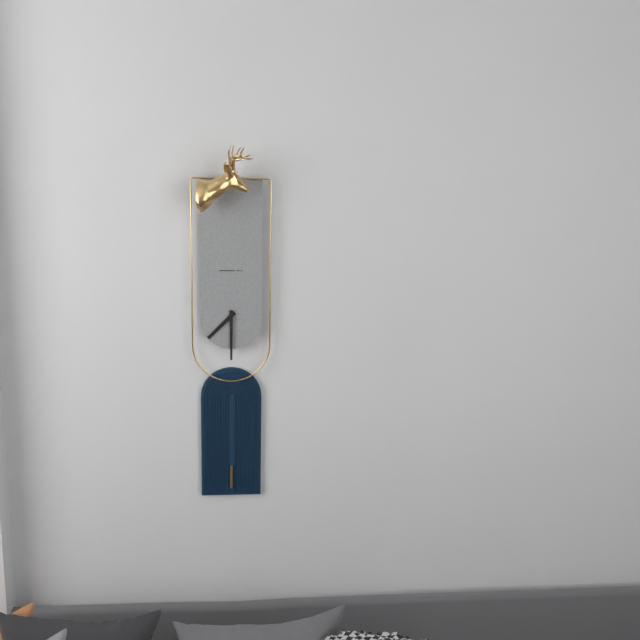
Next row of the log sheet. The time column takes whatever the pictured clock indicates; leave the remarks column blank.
7:30
